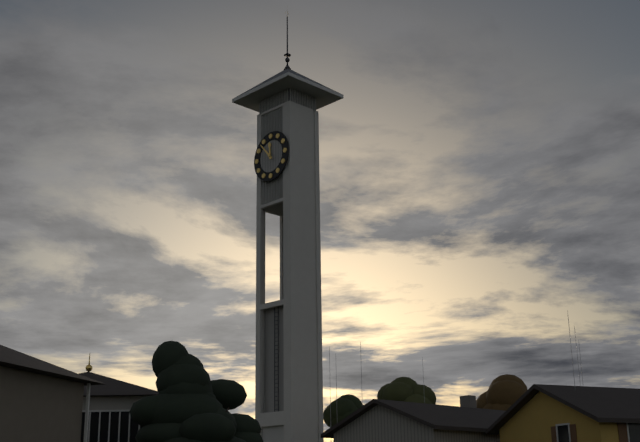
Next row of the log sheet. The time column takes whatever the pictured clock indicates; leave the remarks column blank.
11:53
